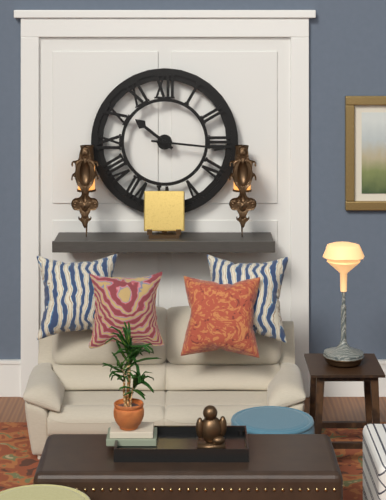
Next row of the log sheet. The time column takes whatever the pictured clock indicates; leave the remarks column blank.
10:16
